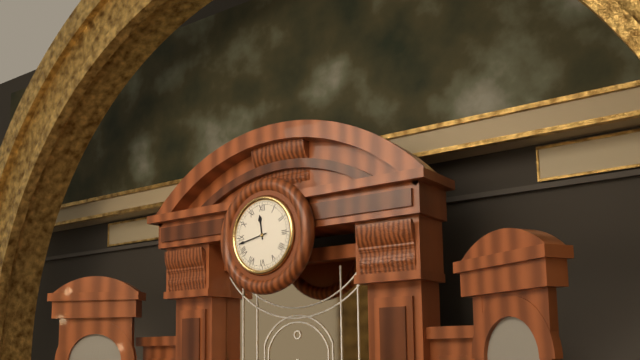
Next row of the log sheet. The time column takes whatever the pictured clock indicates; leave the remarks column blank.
11:43
